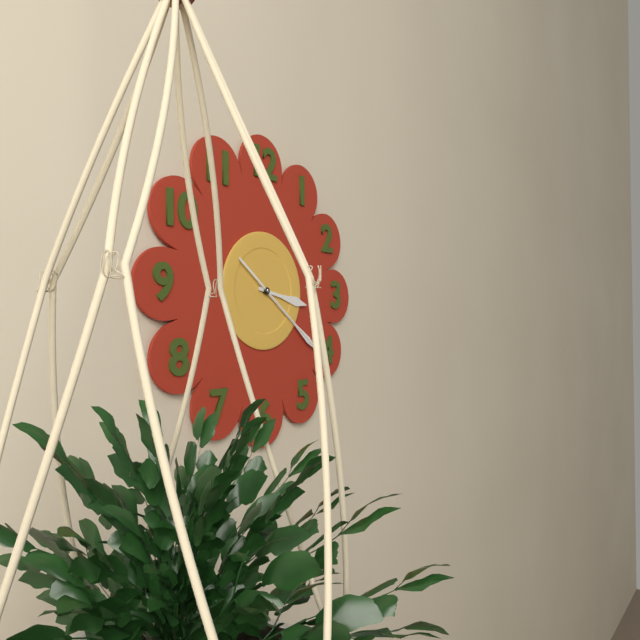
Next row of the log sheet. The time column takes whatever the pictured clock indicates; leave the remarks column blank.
3:21:21
